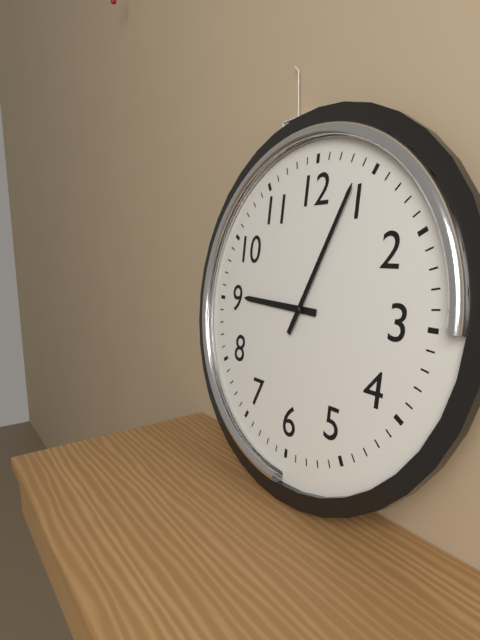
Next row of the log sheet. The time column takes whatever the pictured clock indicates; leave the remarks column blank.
9:04
